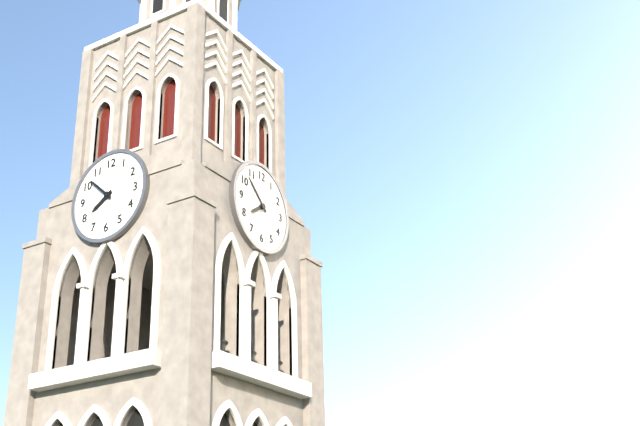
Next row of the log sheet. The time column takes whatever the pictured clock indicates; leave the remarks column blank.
7:52
